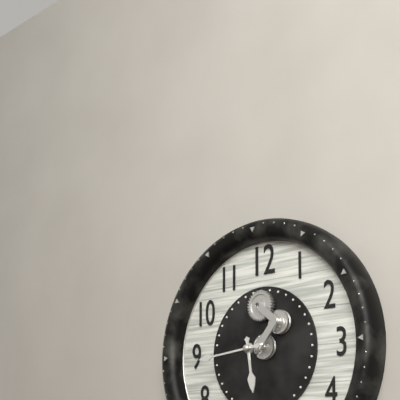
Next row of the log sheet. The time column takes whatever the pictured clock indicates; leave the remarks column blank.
5:44
